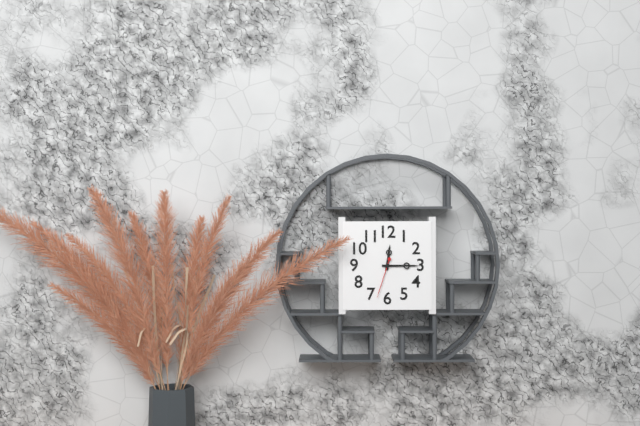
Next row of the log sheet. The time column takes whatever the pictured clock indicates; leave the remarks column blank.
12:15
